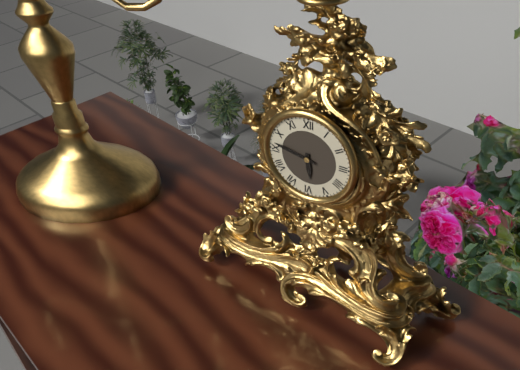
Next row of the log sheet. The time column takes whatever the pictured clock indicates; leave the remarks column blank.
5:47
